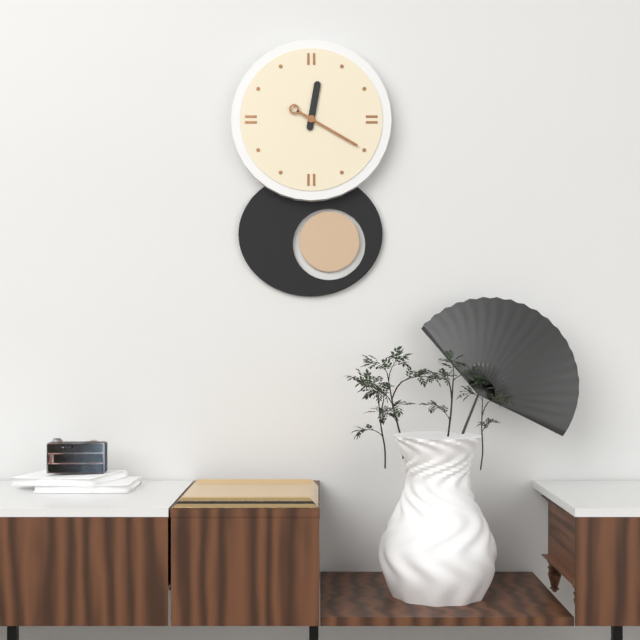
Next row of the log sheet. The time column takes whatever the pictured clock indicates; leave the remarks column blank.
12:20
